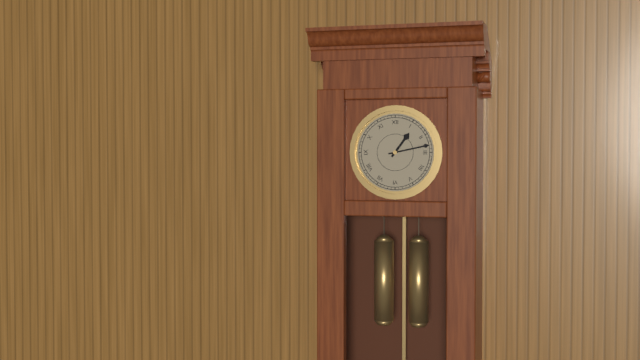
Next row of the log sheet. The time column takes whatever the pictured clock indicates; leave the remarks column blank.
1:13
